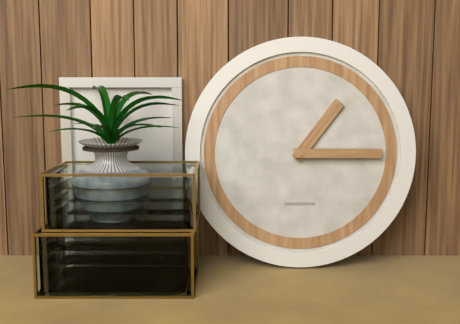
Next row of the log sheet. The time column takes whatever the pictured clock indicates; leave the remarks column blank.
1:15
